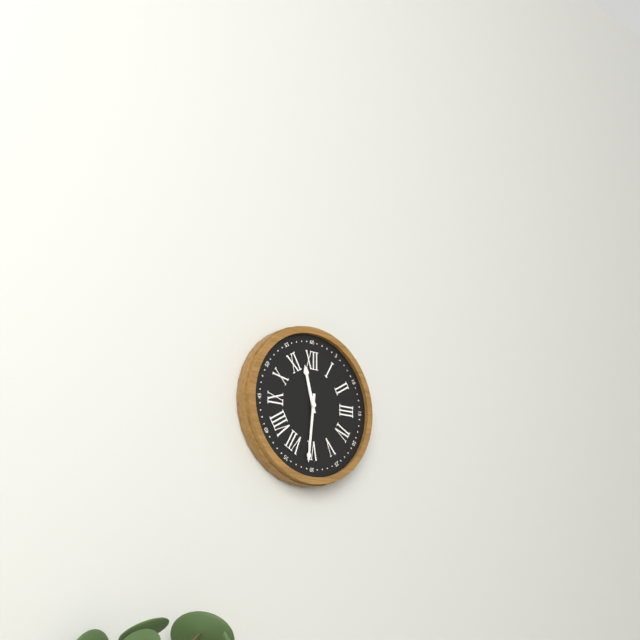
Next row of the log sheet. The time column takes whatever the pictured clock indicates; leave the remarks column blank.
11:31
